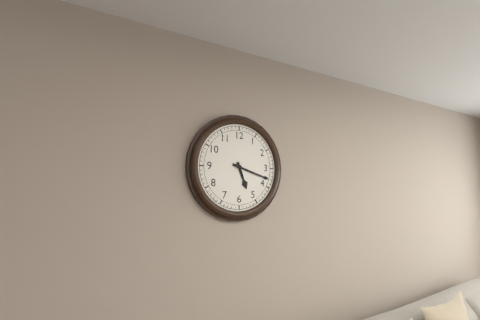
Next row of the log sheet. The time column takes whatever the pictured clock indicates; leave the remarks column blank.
5:18
